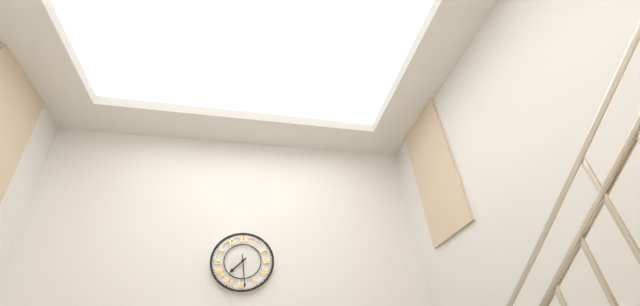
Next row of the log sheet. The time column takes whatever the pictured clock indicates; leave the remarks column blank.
7:29
